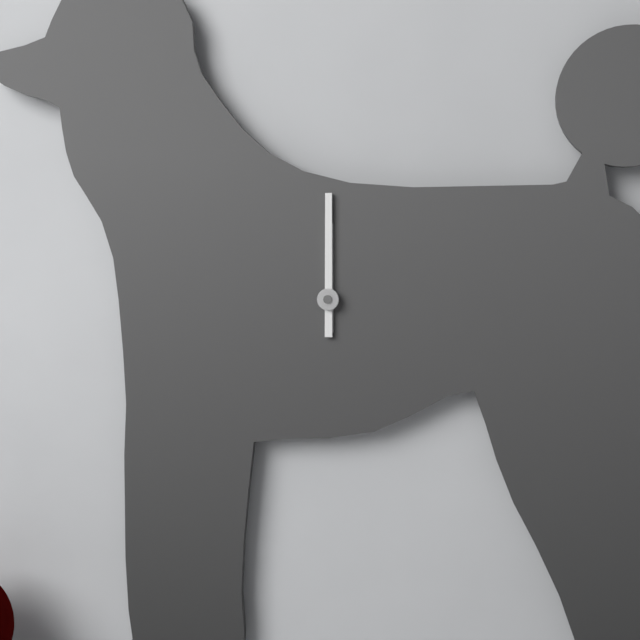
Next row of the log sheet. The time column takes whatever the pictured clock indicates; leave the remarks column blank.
12:00
